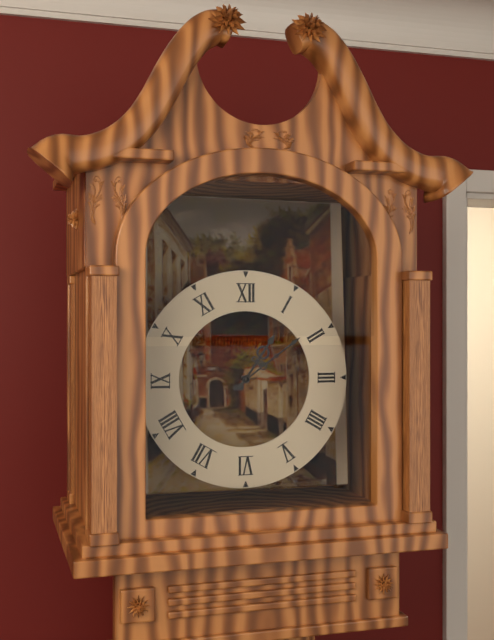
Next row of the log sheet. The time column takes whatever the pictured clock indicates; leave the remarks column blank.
1:09
